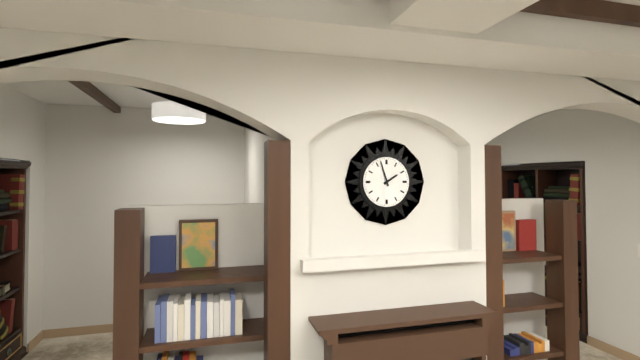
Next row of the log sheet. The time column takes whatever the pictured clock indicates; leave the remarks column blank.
1:57
